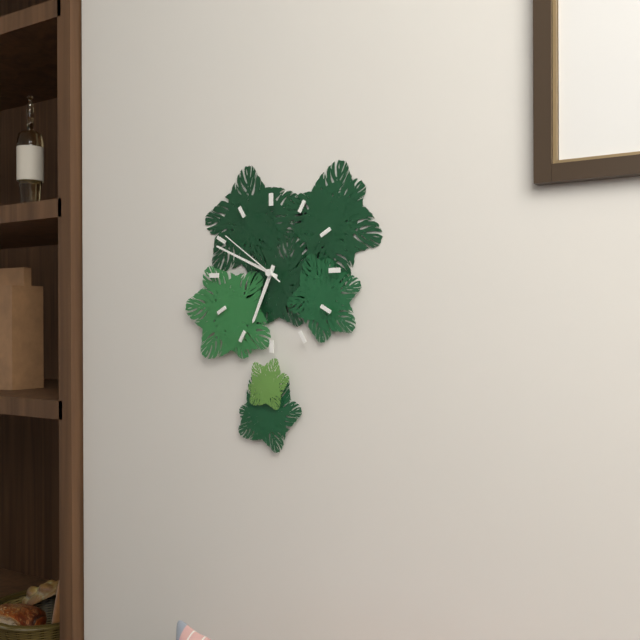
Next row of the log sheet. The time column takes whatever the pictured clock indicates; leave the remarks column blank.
6:49:51
